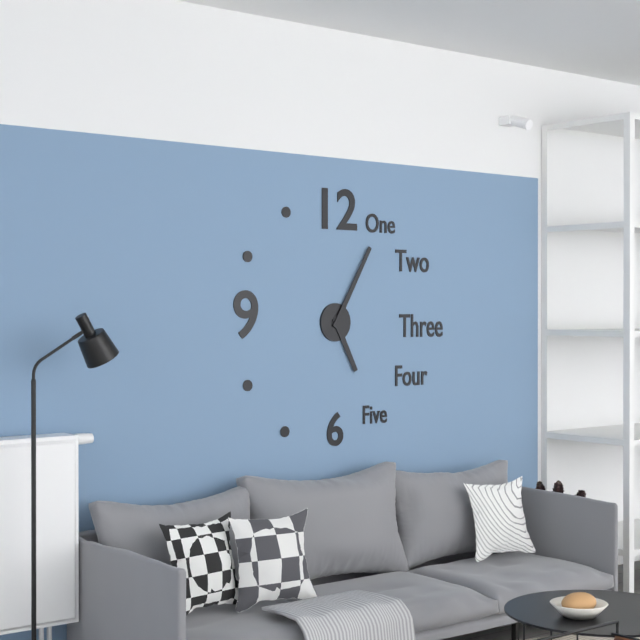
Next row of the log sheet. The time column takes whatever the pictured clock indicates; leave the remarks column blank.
5:05
